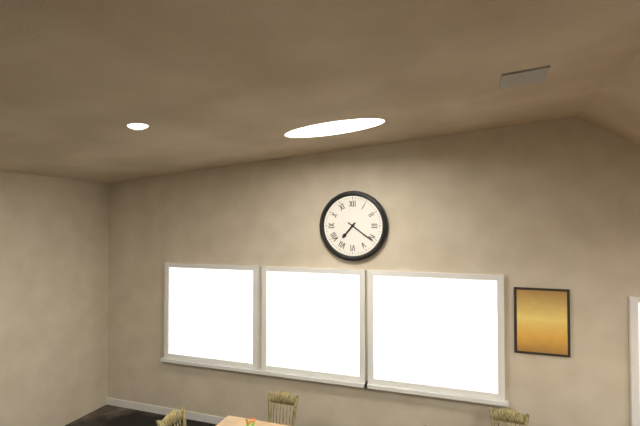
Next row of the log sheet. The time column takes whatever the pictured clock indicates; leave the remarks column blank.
7:21
